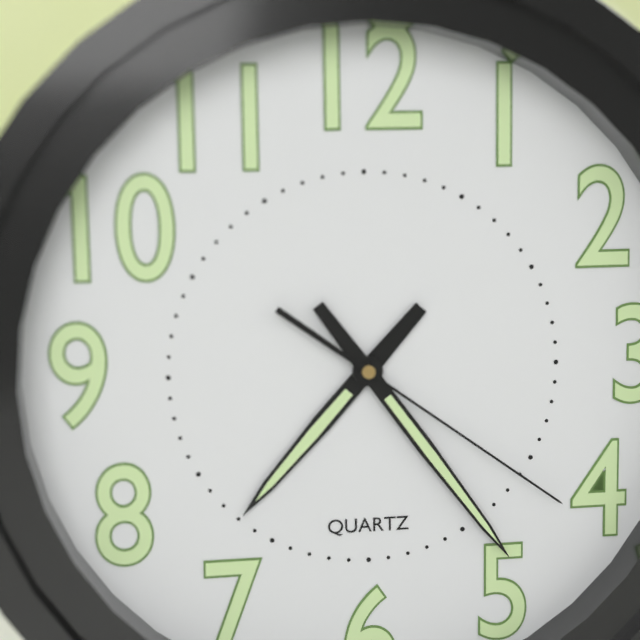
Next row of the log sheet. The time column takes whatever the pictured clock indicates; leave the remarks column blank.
7:24:21
